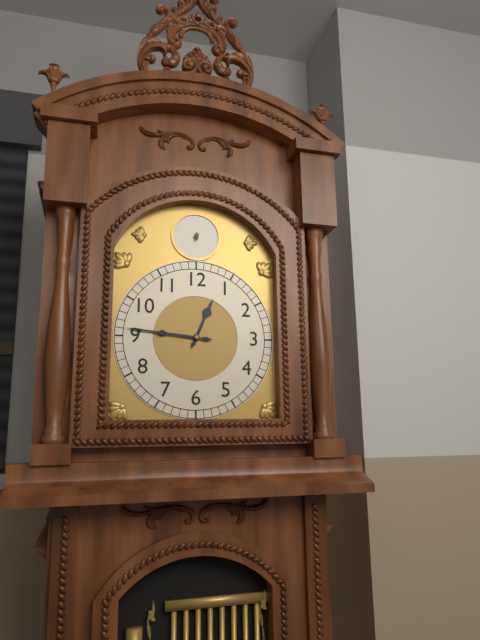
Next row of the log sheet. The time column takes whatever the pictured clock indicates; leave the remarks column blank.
12:46
